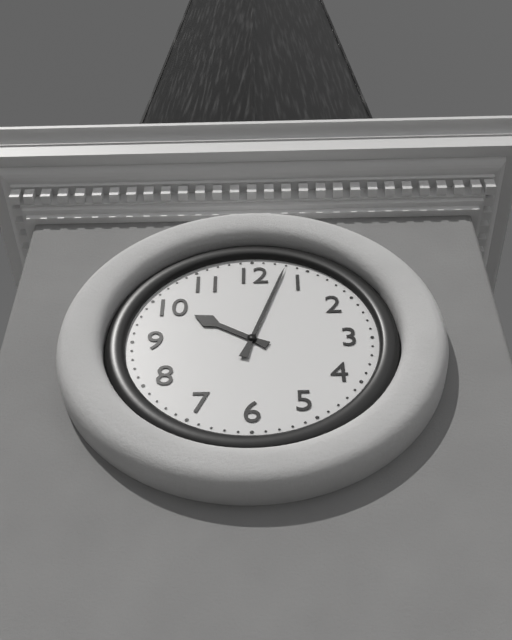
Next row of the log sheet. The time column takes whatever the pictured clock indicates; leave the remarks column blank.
10:03
